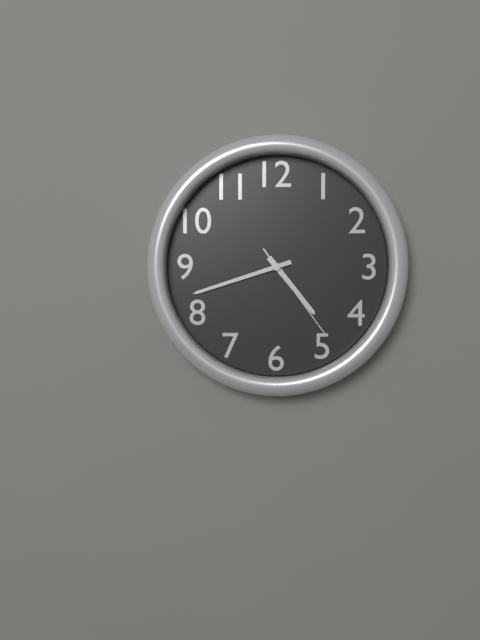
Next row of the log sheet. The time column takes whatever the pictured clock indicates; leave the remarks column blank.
4:42:24
